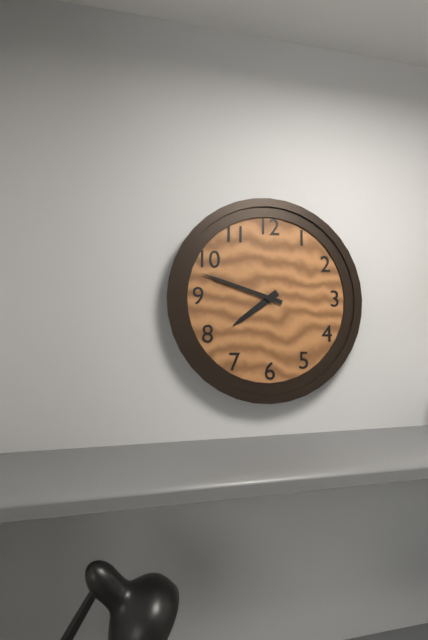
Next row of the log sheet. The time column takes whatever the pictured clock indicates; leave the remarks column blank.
7:48
